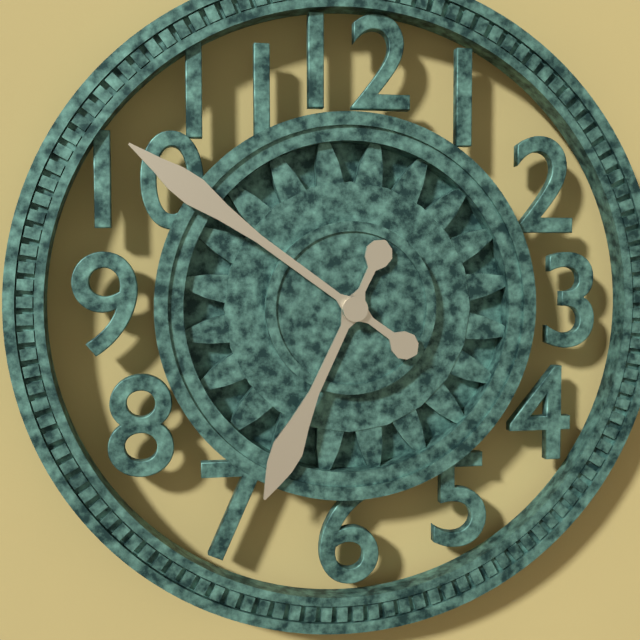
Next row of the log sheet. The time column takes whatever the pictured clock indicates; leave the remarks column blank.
6:51
